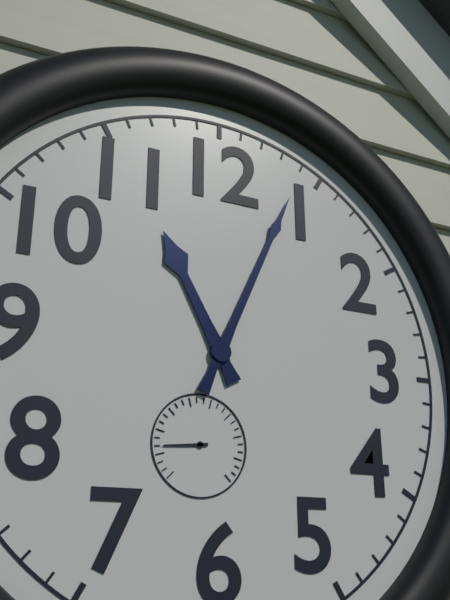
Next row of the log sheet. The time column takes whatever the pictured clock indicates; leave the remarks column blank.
11:04
